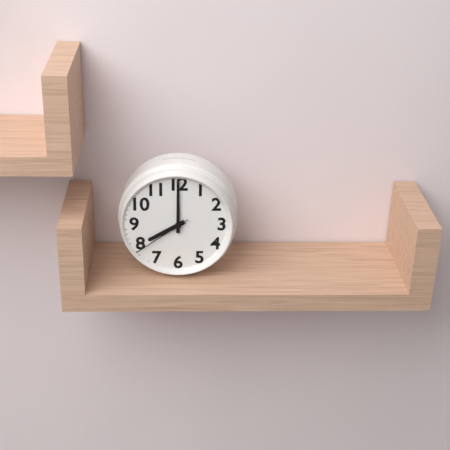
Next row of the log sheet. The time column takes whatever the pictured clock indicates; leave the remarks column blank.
8:00:39
